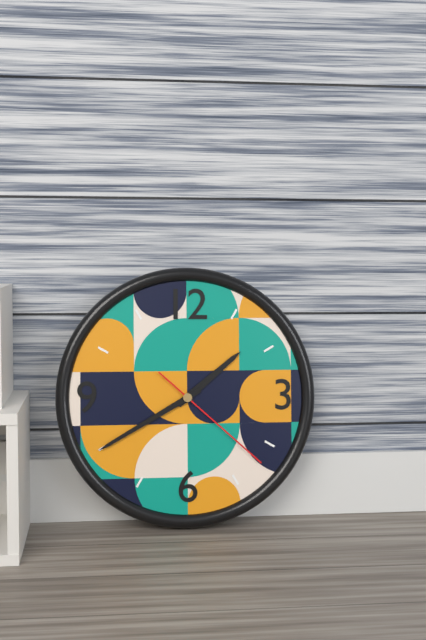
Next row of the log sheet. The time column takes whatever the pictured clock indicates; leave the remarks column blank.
1:40:22
